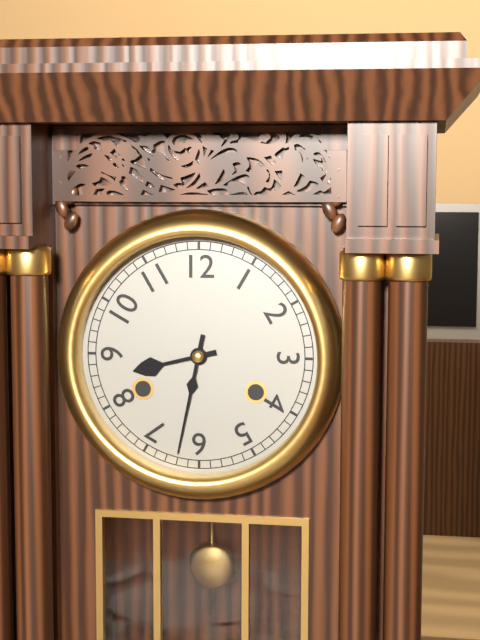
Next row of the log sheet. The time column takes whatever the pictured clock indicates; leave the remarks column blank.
8:32
